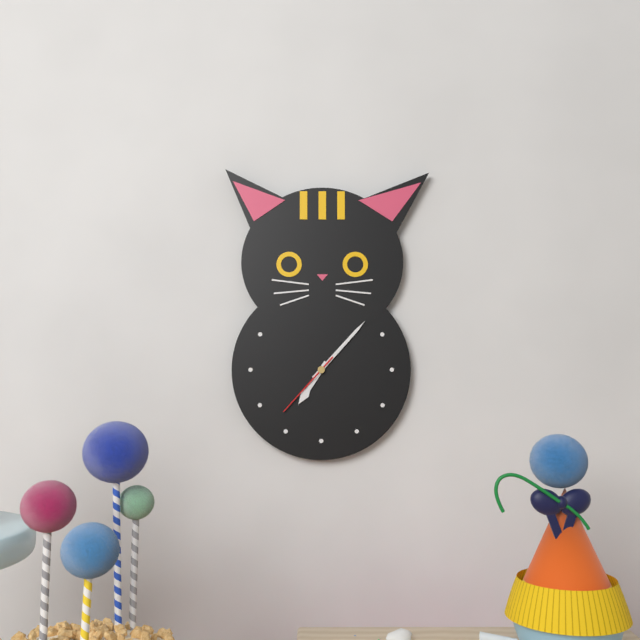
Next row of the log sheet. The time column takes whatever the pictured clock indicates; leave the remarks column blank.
7:07:37
